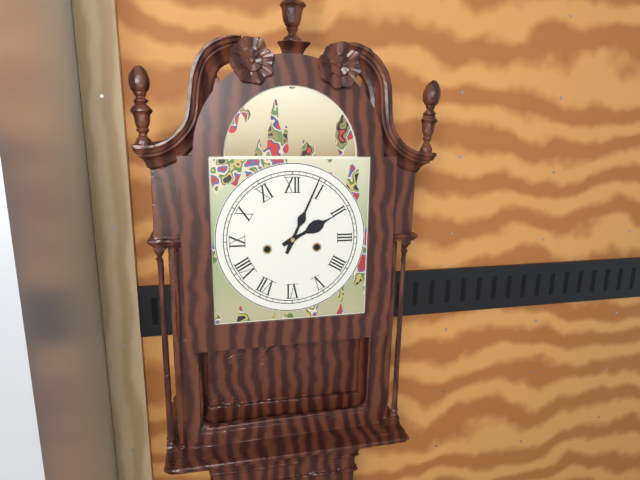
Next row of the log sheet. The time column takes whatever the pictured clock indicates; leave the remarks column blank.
2:04
